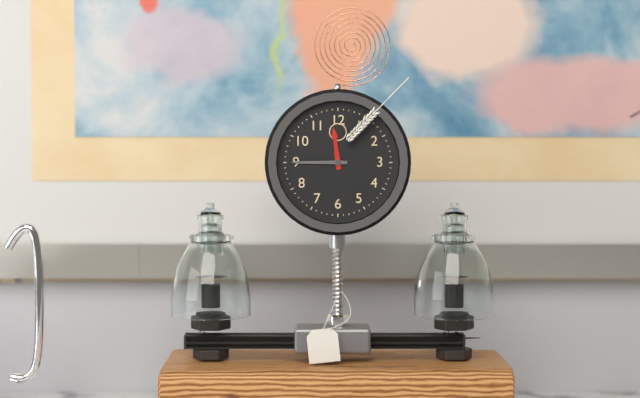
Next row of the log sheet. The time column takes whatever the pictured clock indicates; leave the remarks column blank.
11:45
